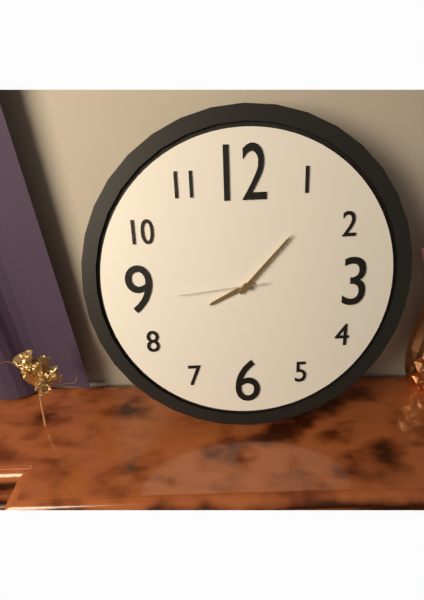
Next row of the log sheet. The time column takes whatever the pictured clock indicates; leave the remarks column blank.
8:07:44
